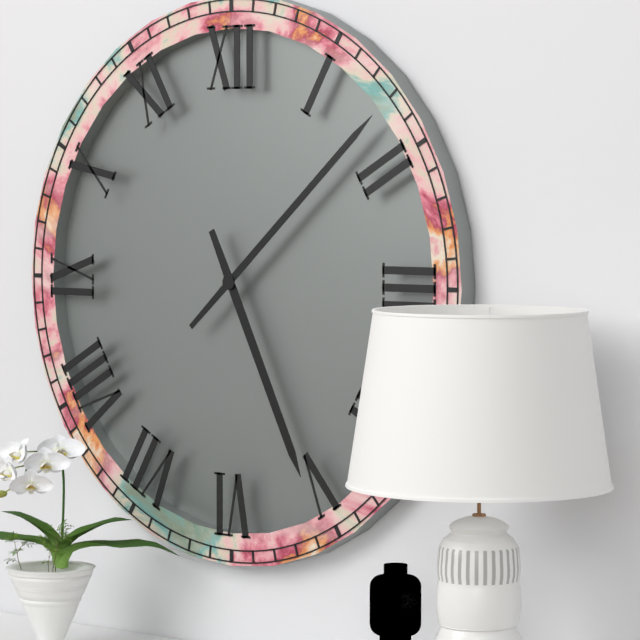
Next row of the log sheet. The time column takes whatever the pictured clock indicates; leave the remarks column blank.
5:08
